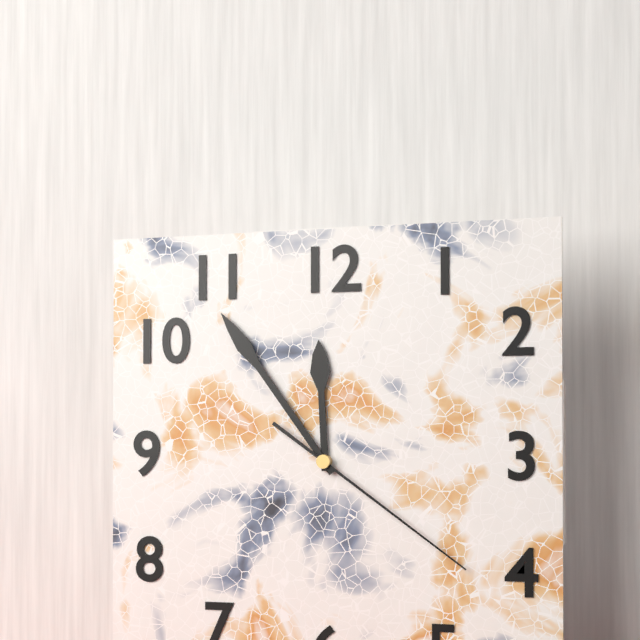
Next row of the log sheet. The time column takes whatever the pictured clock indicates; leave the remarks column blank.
11:54:21
